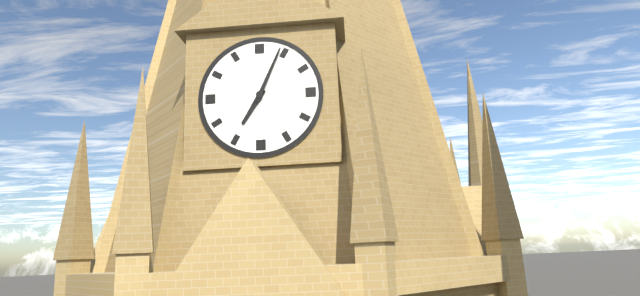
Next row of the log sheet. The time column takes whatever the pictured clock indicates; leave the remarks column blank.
7:04
